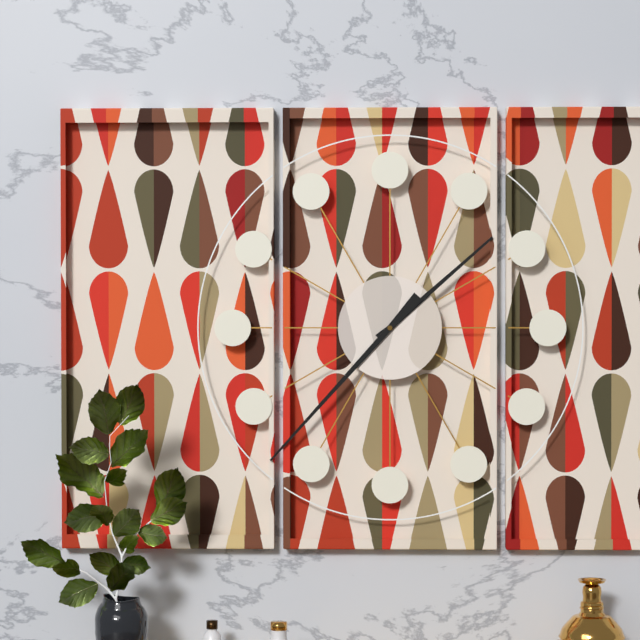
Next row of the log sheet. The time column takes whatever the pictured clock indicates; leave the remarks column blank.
1:37
